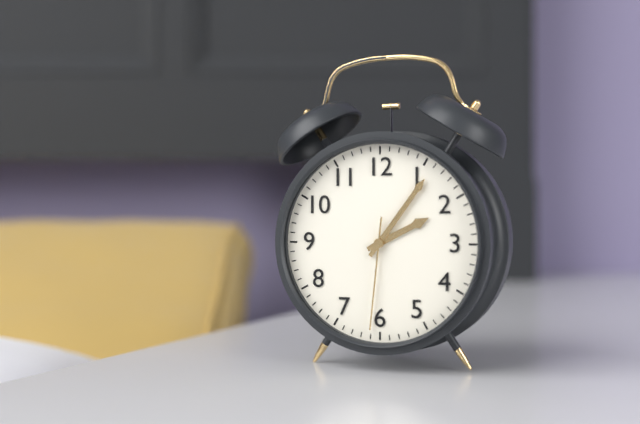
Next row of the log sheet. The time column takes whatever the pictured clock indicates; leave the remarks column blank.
2:06:31
